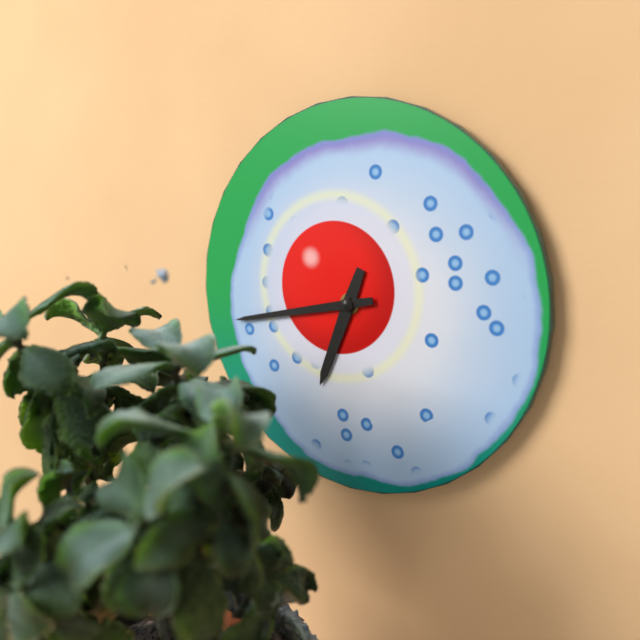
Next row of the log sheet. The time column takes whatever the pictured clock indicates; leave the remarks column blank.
6:43
